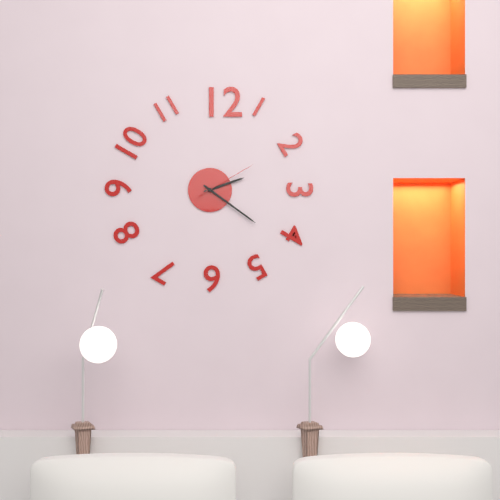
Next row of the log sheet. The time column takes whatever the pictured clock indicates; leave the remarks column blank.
2:21:10
